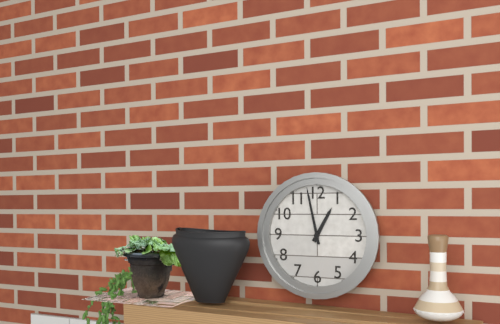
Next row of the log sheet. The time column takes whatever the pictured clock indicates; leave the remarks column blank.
12:58
